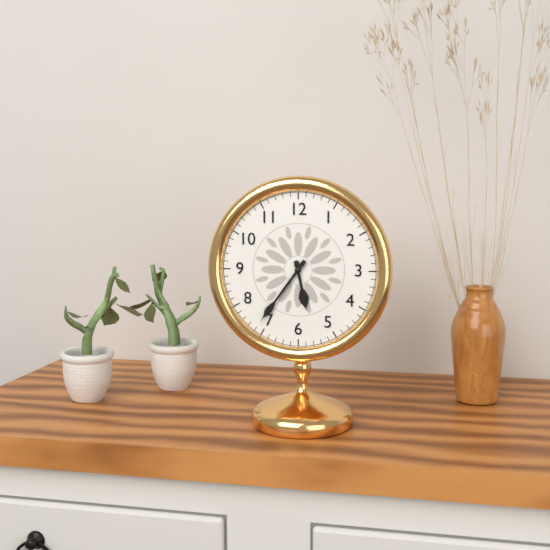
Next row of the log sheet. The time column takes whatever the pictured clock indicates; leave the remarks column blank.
5:36
